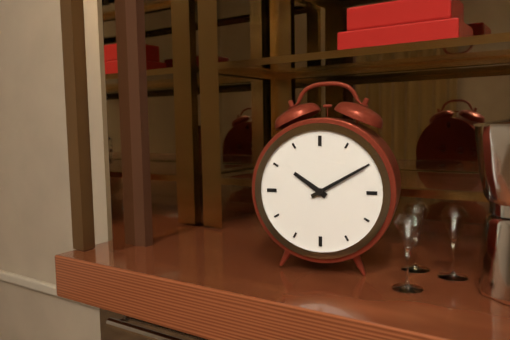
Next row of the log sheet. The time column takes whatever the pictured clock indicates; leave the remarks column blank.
10:10
